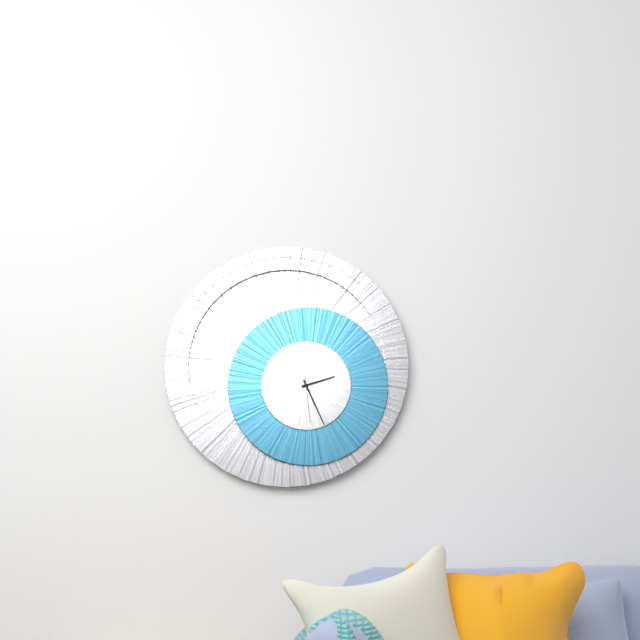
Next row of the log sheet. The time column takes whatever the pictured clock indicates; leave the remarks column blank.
2:26
